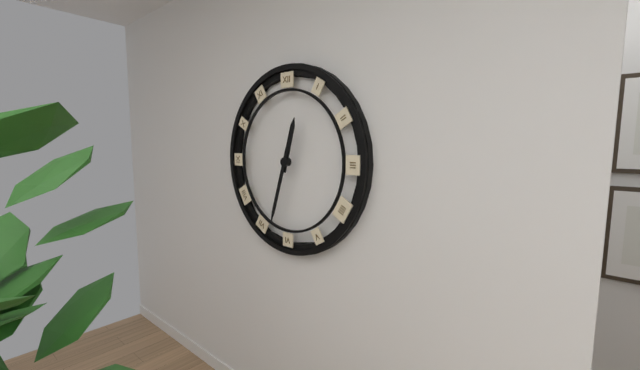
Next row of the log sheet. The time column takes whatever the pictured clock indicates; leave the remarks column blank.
12:33
